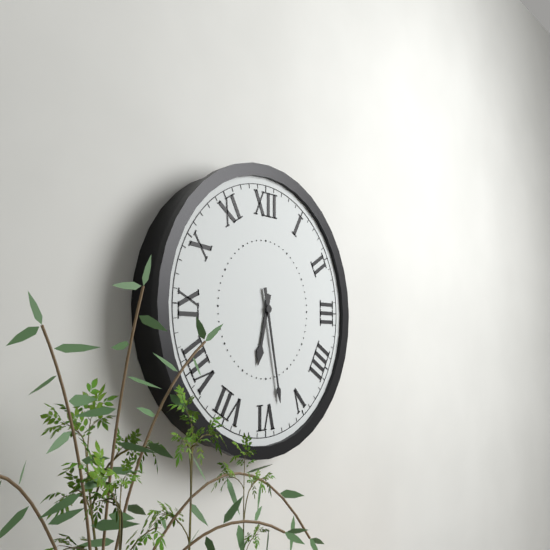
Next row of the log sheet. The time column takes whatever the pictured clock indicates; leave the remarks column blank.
6:28
